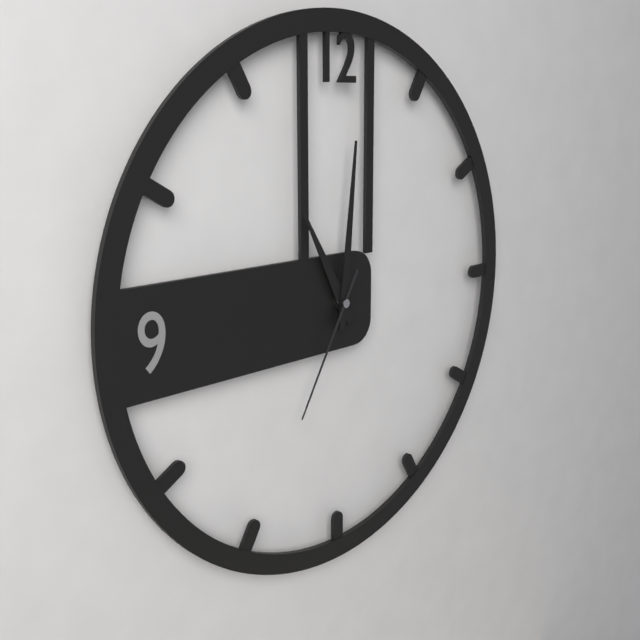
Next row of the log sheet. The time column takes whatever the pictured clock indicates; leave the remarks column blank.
11:01:35
